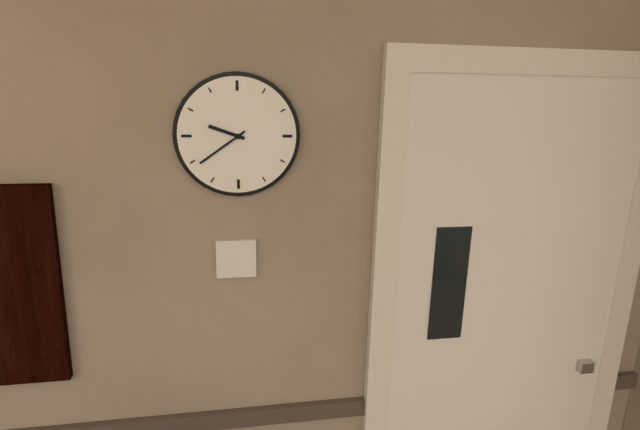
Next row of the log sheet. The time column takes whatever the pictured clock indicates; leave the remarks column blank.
9:39
